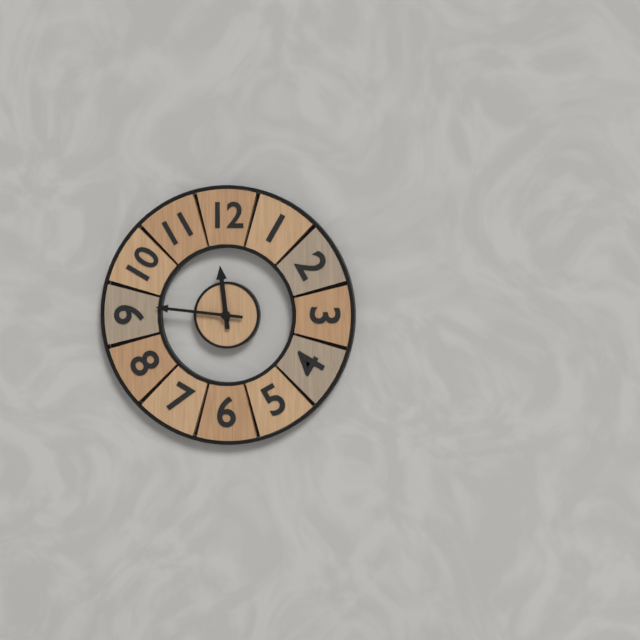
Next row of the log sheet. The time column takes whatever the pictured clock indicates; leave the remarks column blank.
11:46
